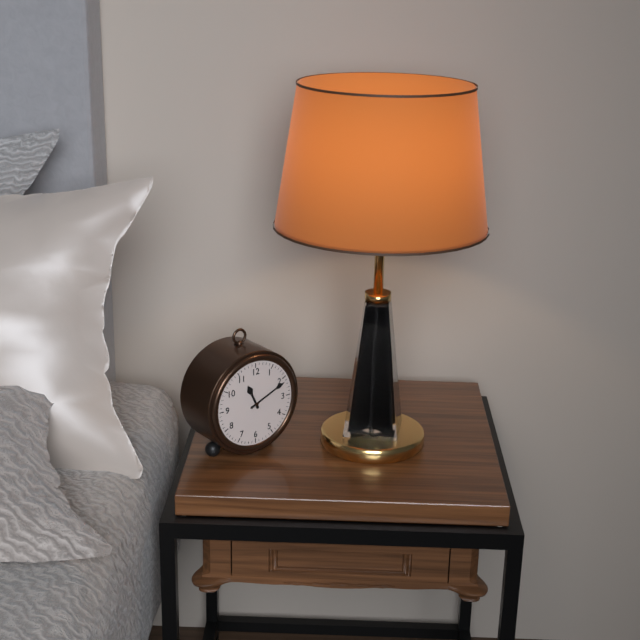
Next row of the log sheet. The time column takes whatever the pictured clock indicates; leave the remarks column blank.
11:11
